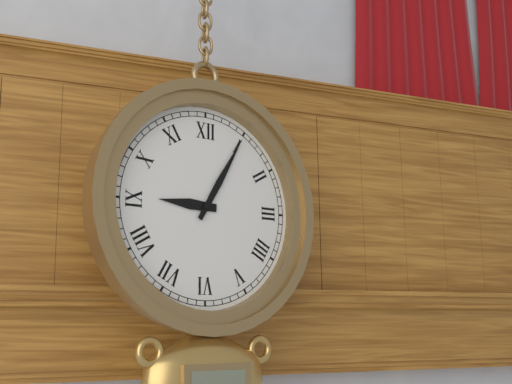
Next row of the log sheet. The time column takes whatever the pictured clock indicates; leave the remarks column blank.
9:05
